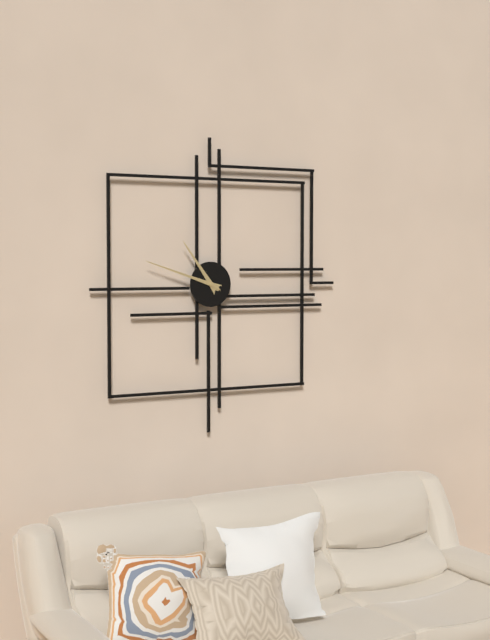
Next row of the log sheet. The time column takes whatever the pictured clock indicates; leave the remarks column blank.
10:48
